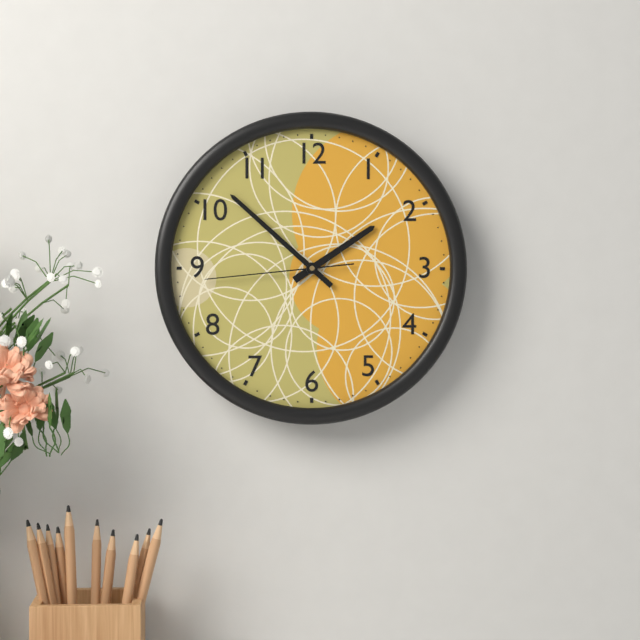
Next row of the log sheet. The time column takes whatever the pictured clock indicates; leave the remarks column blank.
1:52:44
